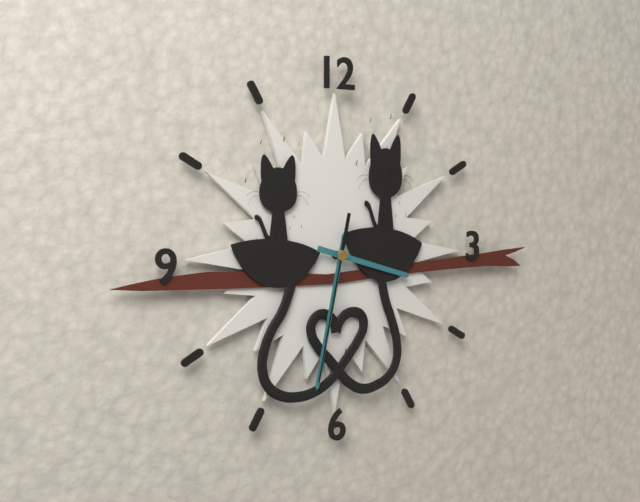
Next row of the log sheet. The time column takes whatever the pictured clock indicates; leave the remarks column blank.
3:32:32
